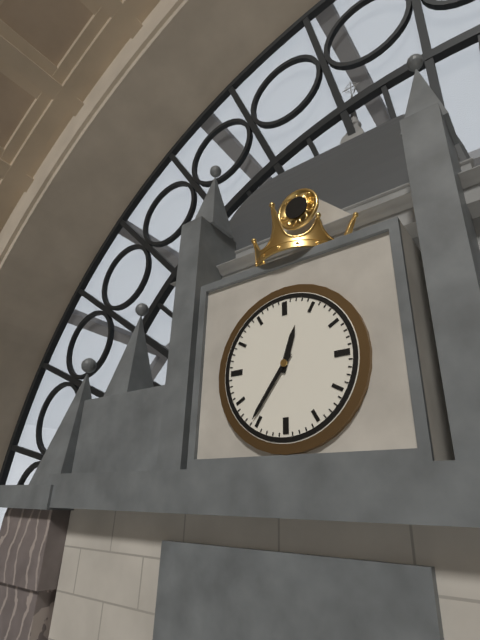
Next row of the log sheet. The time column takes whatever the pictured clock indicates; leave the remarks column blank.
12:36
